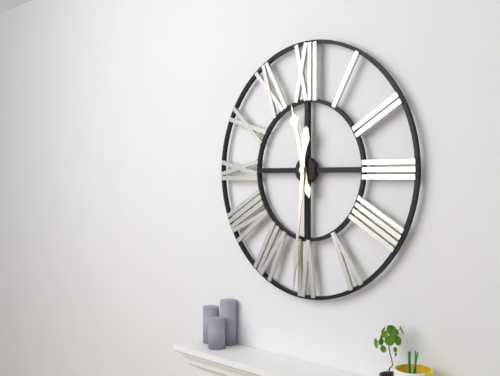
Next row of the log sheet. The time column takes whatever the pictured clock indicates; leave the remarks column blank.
11:31
